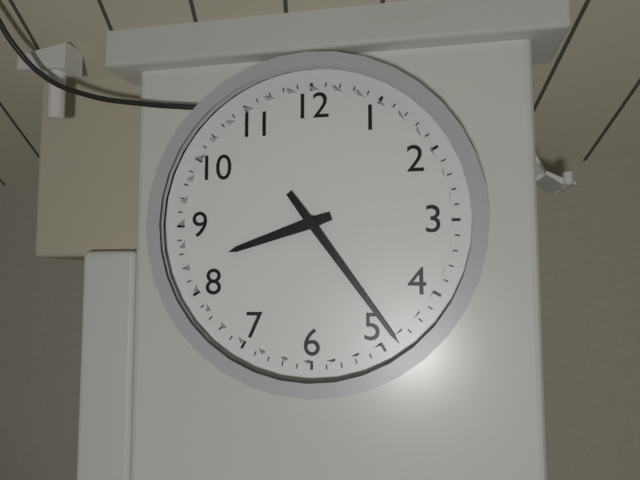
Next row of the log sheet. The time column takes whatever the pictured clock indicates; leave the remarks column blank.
8:24
